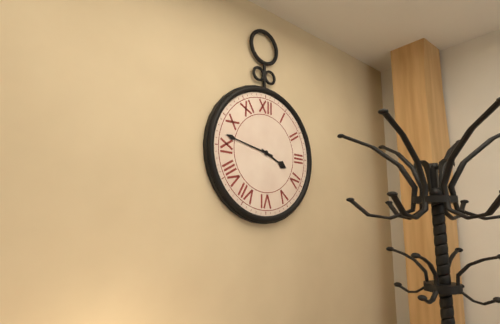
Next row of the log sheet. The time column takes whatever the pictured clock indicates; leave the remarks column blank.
3:47
